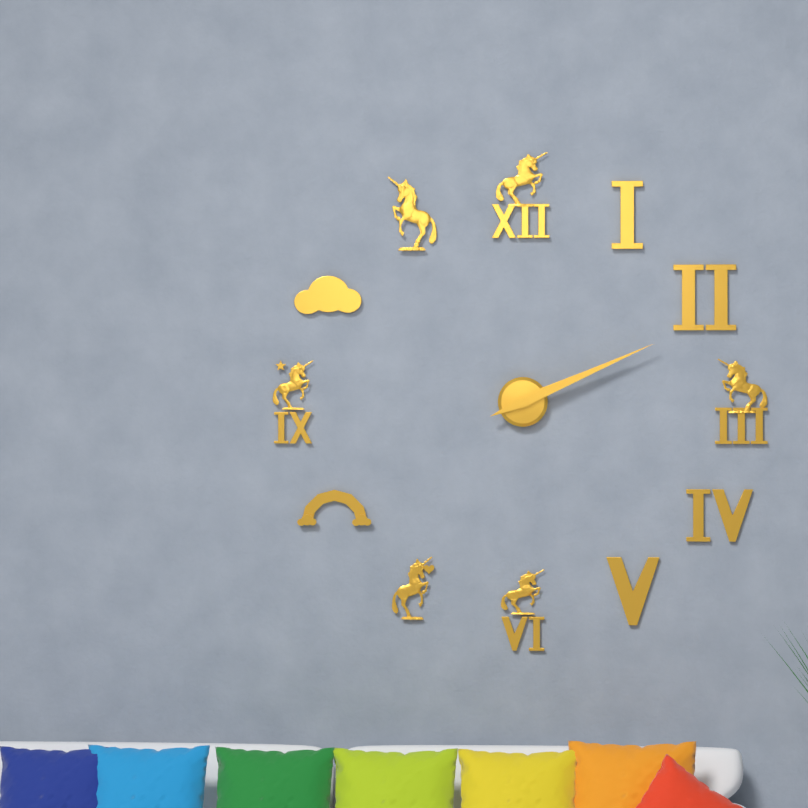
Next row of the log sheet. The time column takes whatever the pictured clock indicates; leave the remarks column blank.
2:11
